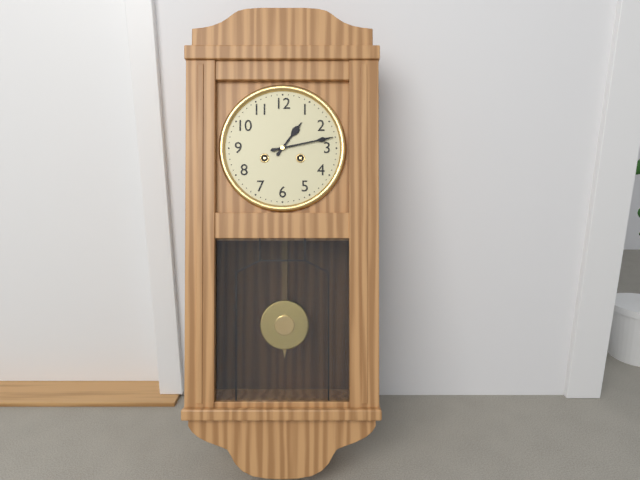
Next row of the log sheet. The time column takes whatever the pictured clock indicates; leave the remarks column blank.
1:13
